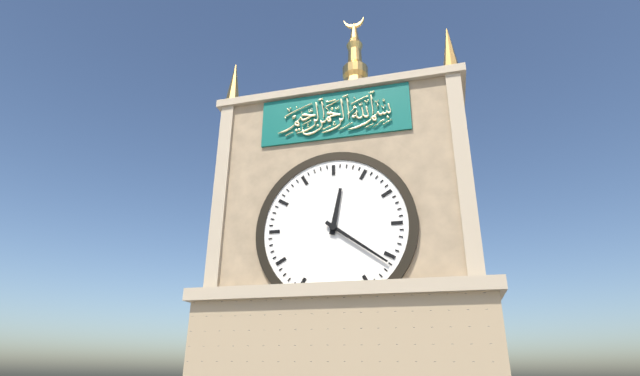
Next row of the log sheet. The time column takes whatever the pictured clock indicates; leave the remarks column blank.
12:21
